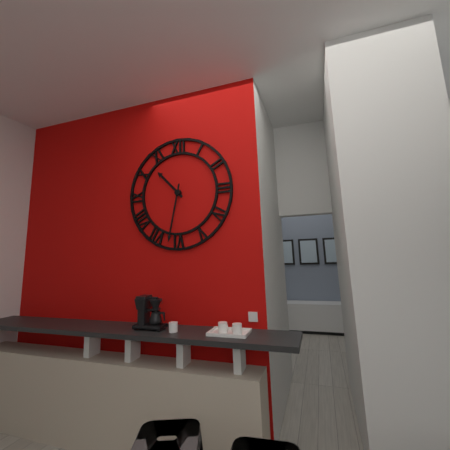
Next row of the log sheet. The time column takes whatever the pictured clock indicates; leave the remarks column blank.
10:32
